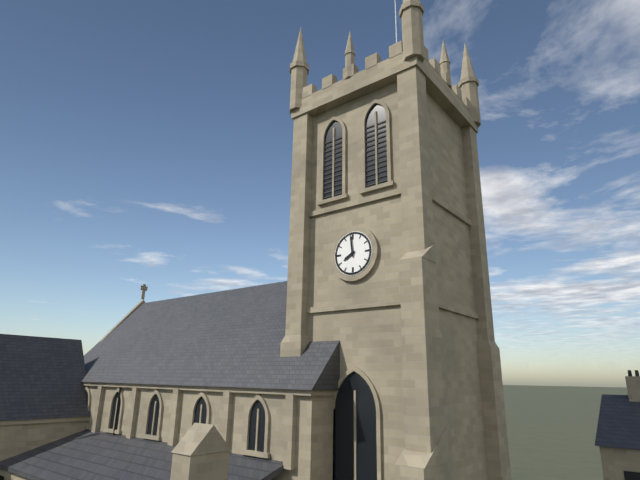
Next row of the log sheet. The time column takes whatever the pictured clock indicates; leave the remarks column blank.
7:59
